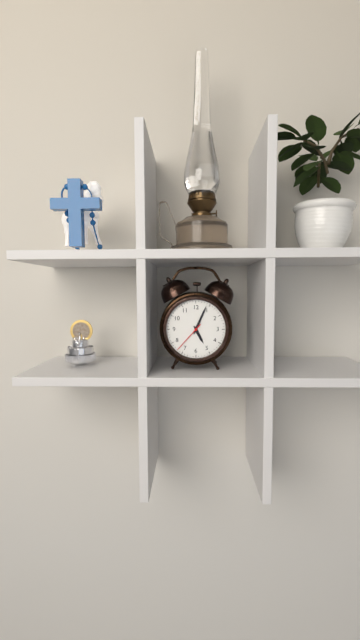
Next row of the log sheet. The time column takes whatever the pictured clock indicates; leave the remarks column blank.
5:04
